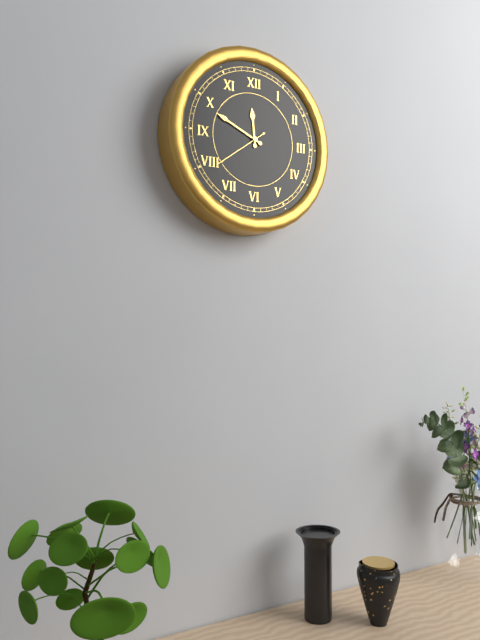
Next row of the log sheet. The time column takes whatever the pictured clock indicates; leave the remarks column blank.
11:49:39
